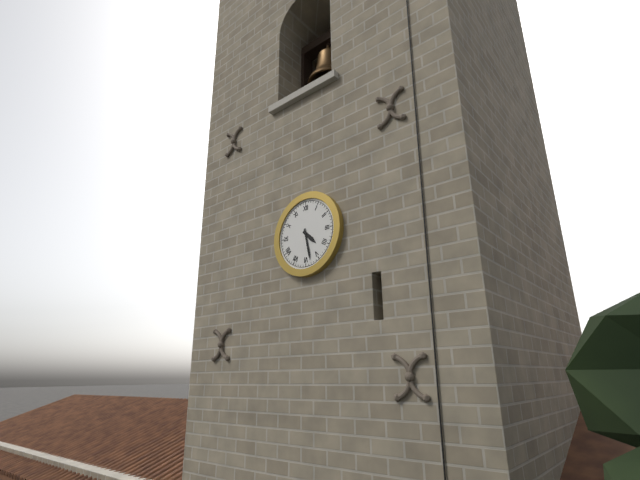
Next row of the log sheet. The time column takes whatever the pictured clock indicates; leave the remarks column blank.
4:28
